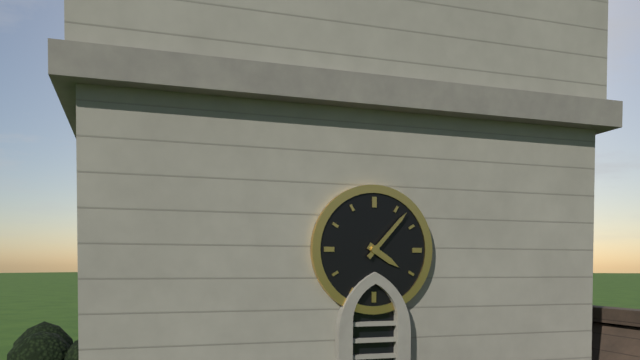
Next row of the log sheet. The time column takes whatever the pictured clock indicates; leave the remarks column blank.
4:07
